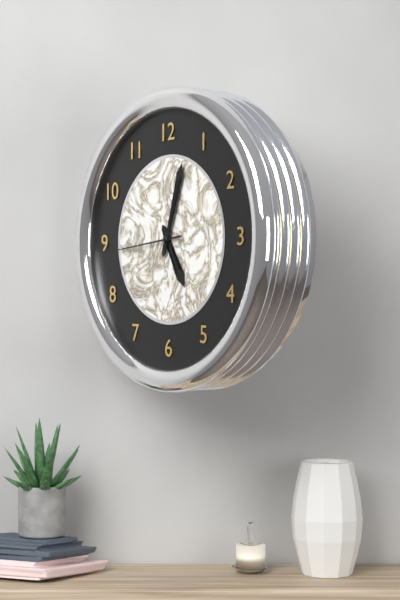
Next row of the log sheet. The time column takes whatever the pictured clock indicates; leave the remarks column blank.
5:03:44
